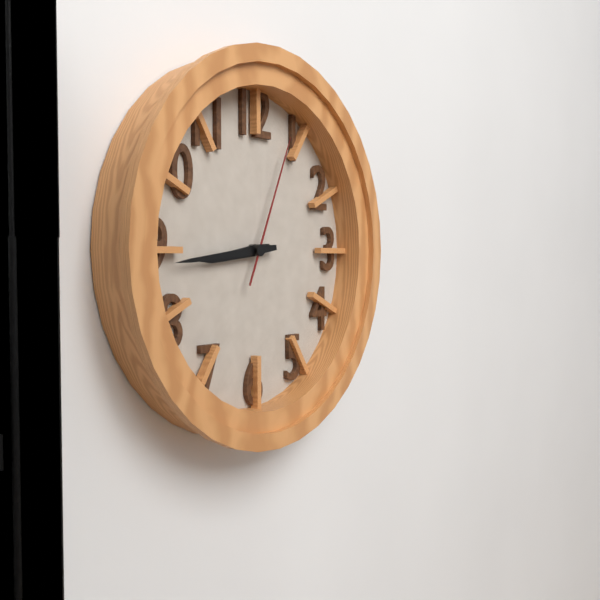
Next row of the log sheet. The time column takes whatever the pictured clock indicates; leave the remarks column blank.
8:44:04
